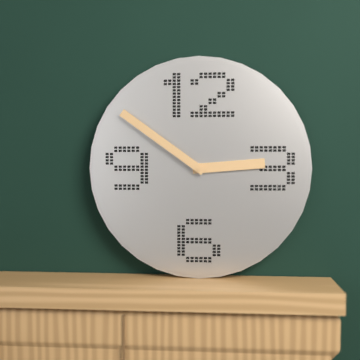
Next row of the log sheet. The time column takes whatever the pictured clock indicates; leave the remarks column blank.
2:51
